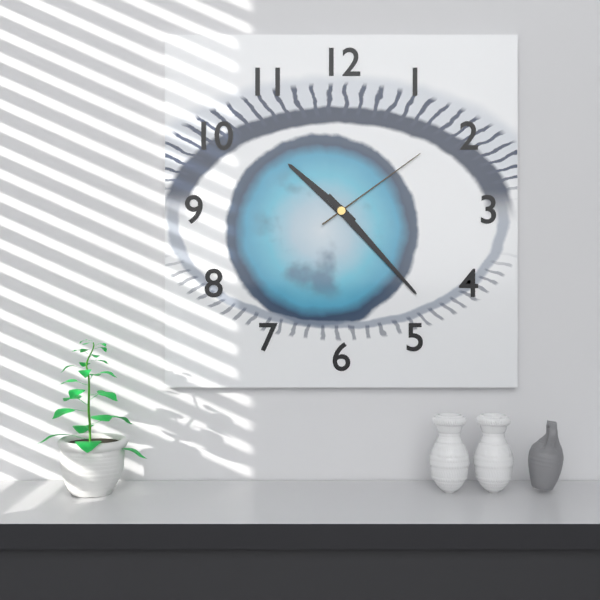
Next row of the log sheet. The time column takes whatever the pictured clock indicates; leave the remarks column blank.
10:23:09
